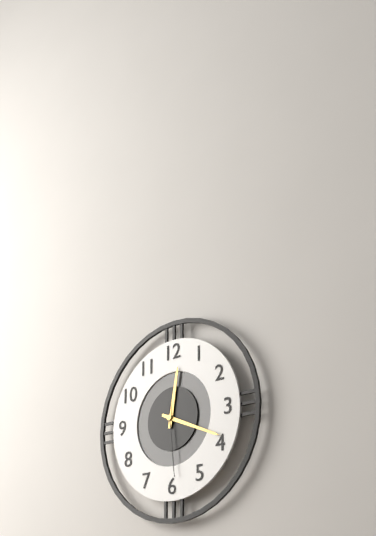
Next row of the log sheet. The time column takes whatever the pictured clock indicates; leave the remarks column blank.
12:19:29
